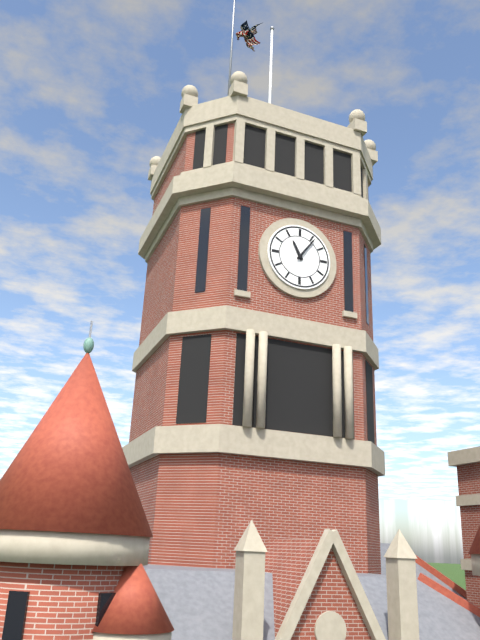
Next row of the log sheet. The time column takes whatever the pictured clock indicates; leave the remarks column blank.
11:06
